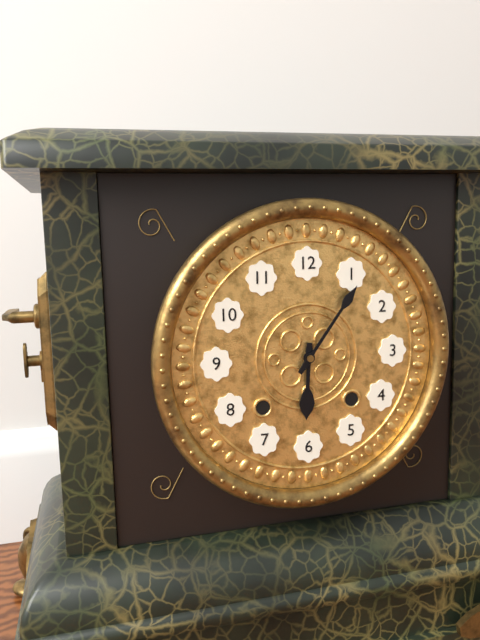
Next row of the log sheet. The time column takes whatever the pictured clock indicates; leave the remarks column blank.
6:06
